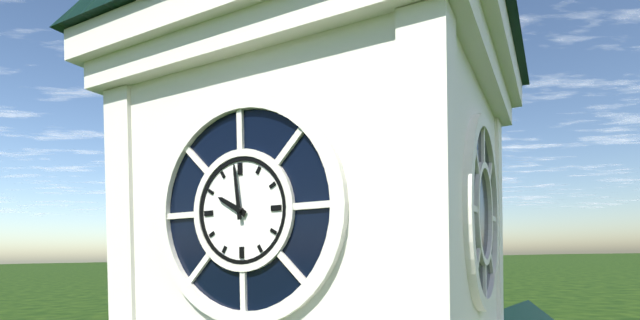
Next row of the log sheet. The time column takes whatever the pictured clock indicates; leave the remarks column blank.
9:59
